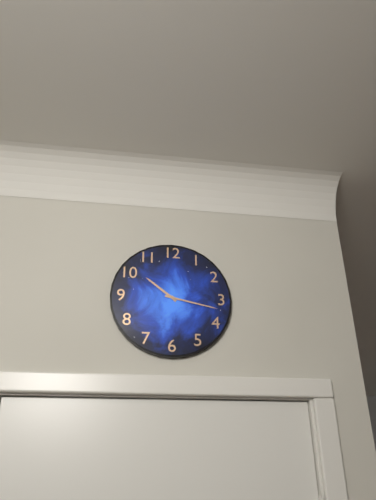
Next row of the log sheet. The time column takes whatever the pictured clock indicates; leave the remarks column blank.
10:17
